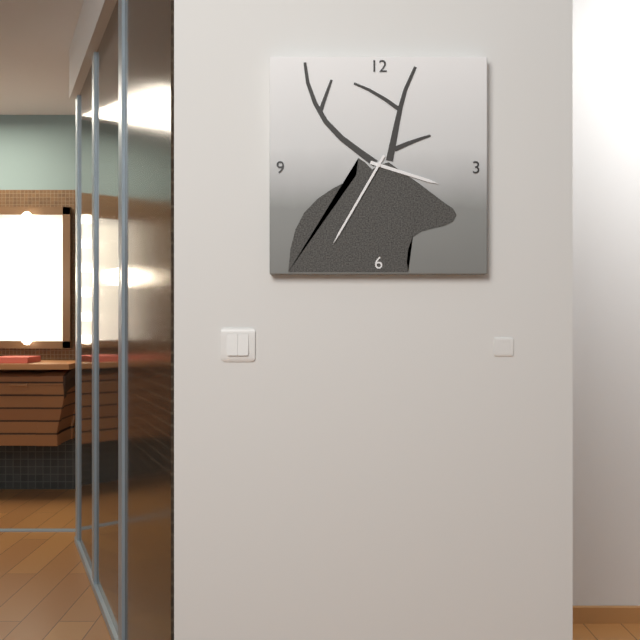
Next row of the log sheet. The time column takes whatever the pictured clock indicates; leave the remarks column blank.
3:35
